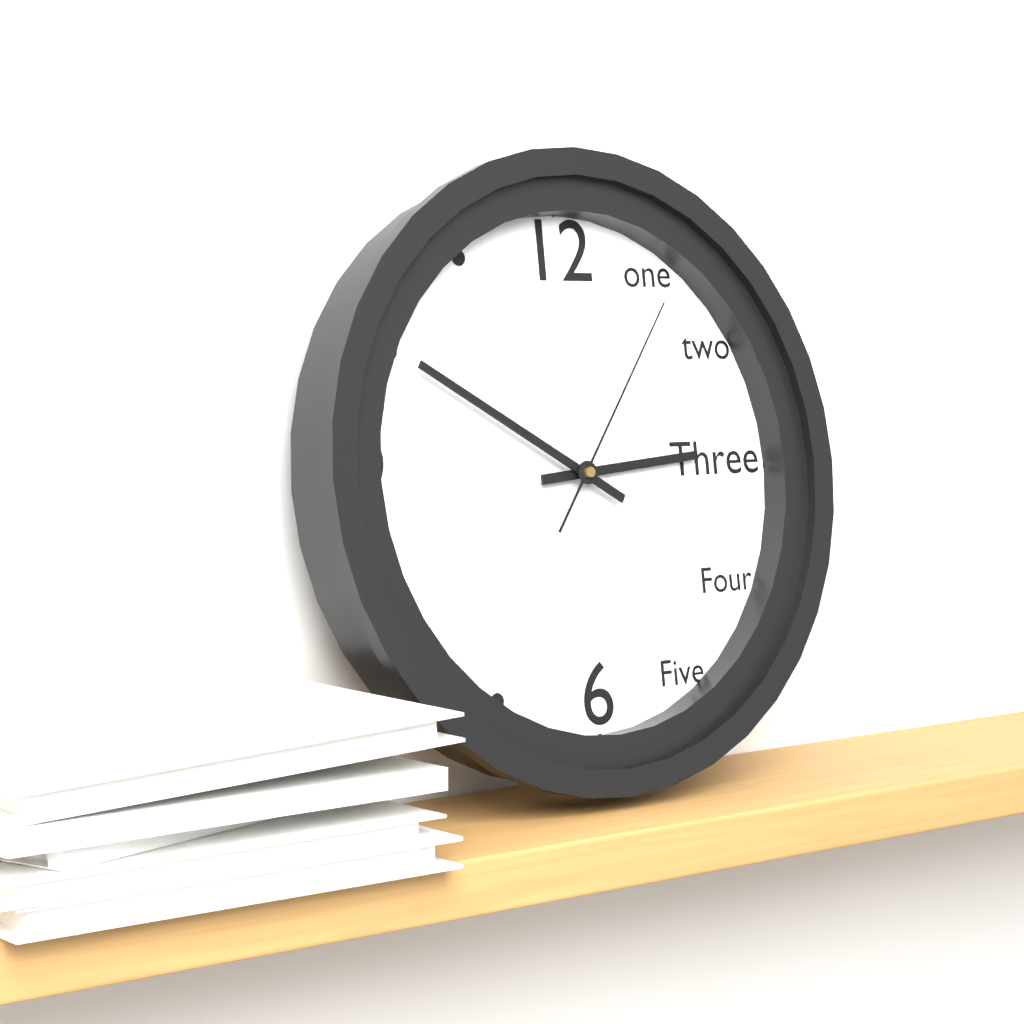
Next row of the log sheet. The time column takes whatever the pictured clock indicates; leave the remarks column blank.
2:50:06
